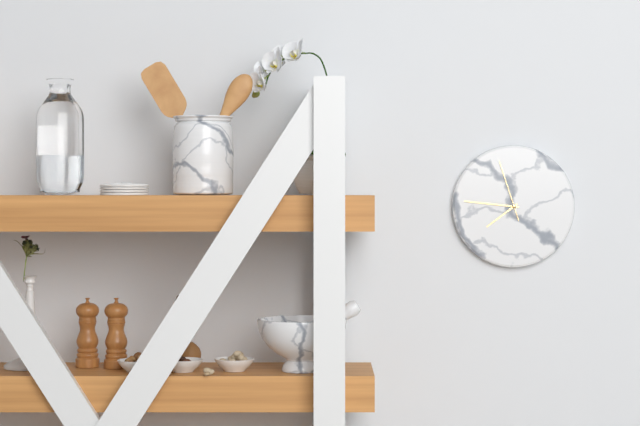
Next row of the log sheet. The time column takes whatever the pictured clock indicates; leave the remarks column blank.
7:46:57
